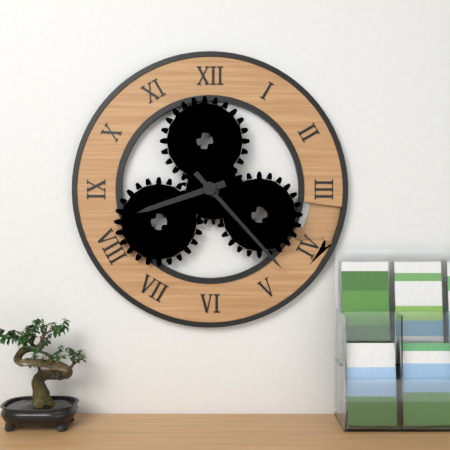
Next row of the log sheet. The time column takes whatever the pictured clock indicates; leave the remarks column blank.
8:23
